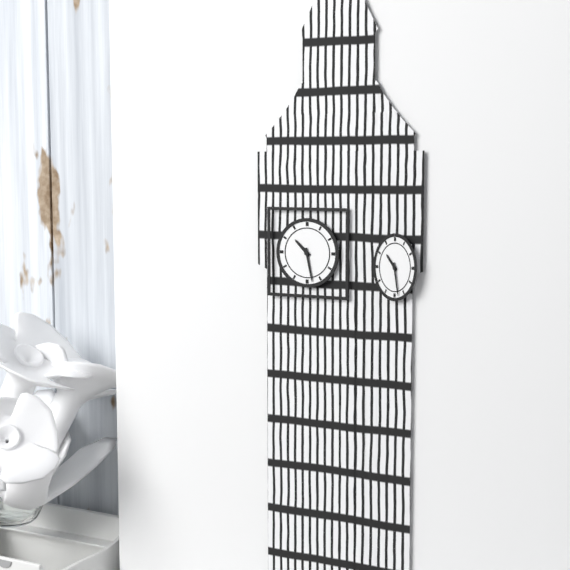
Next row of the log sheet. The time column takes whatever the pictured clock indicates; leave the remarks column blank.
10:28
